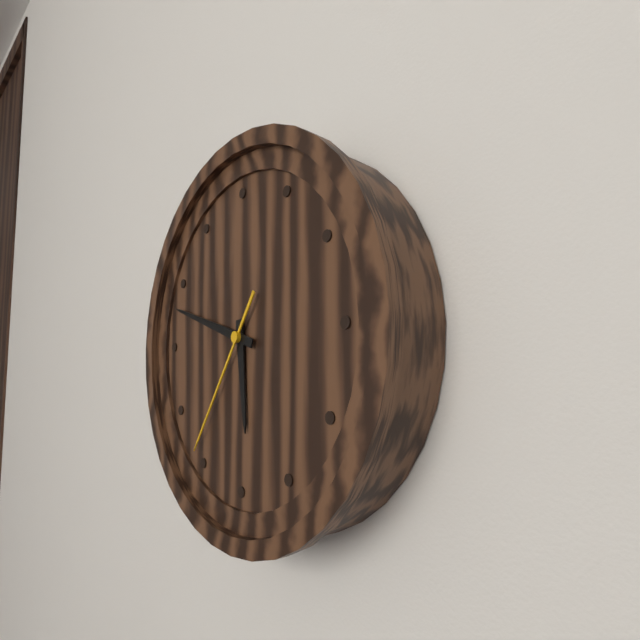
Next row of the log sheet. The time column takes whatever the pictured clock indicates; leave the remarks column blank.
5:48:36
